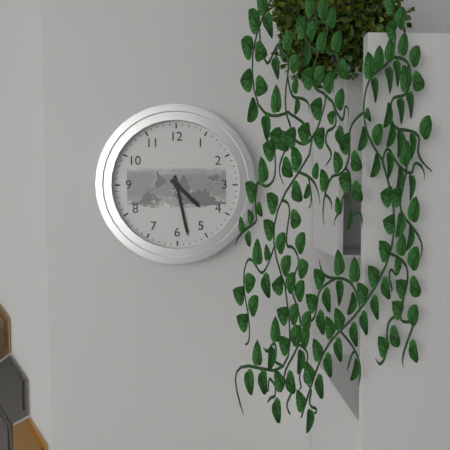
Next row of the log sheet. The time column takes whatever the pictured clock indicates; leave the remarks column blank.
4:28
